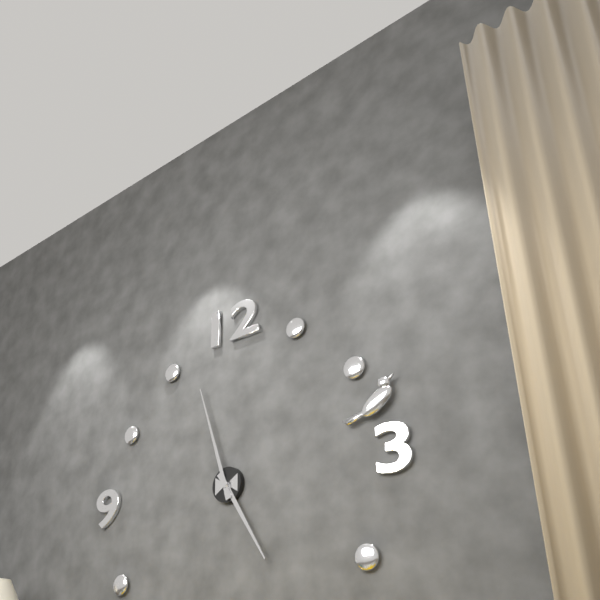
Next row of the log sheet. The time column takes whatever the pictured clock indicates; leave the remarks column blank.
4:57
